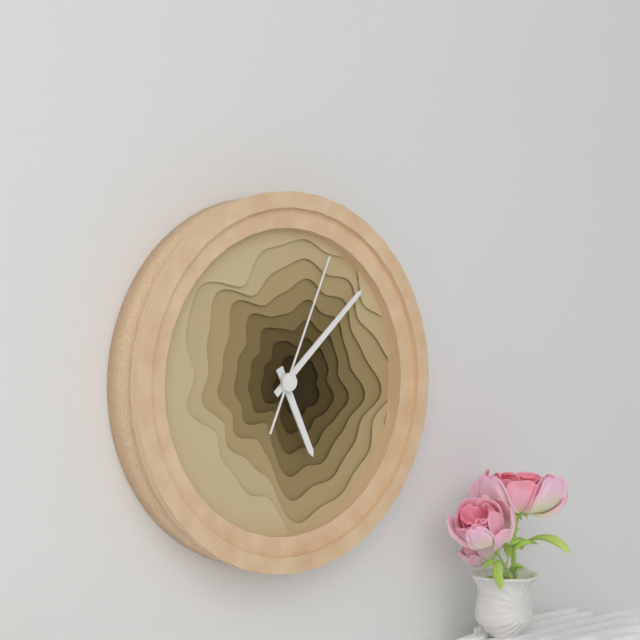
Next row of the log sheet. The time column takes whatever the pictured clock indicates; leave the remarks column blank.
5:08:04
